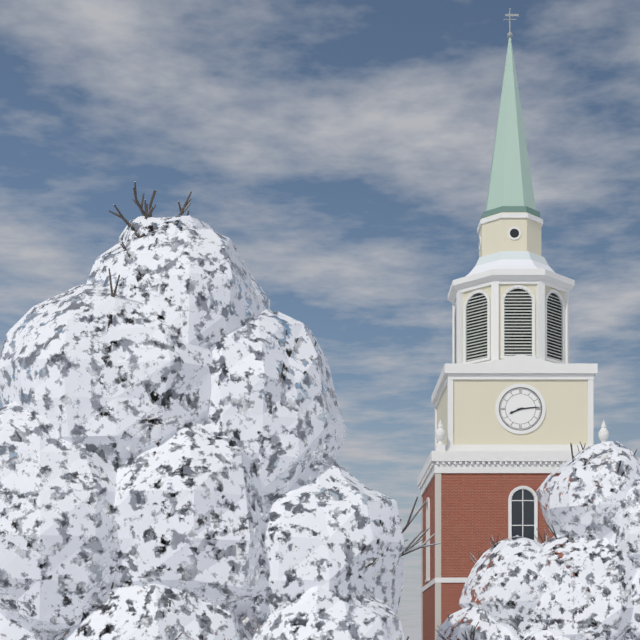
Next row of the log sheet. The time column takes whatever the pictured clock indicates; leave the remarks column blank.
8:14
